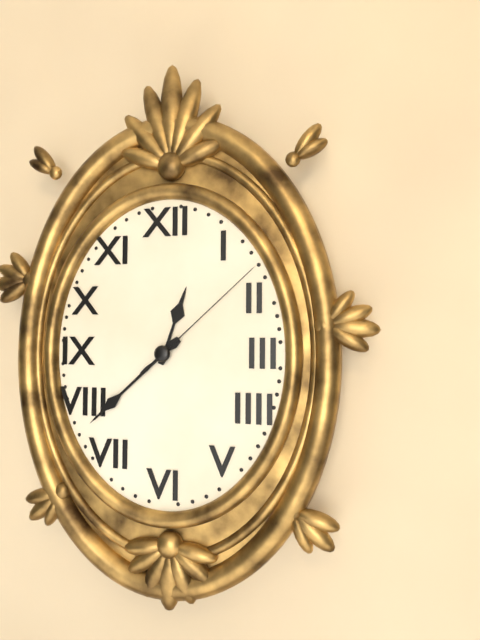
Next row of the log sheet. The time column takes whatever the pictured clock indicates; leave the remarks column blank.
12:38:08
